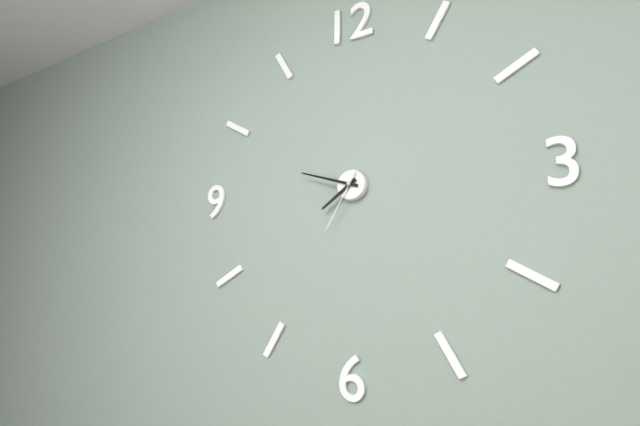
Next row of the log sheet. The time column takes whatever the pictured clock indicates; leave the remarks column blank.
7:48:35
